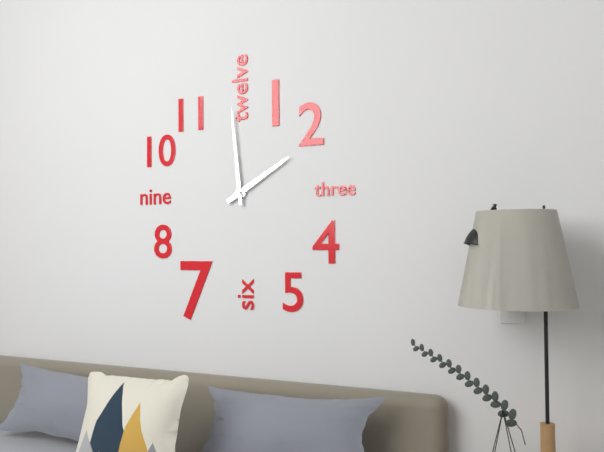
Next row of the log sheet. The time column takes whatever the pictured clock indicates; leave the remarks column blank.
1:59
